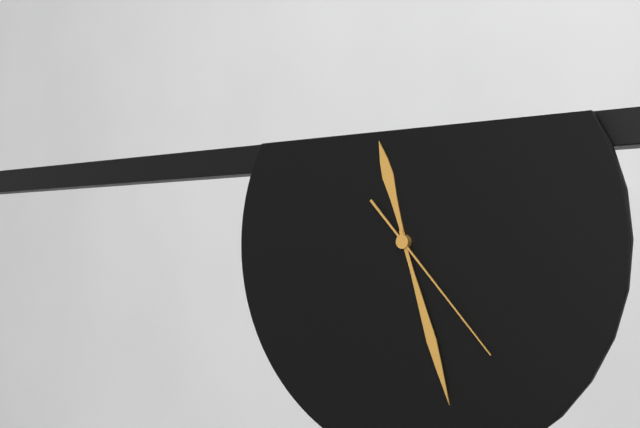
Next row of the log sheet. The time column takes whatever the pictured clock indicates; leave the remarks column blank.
11:27:23
